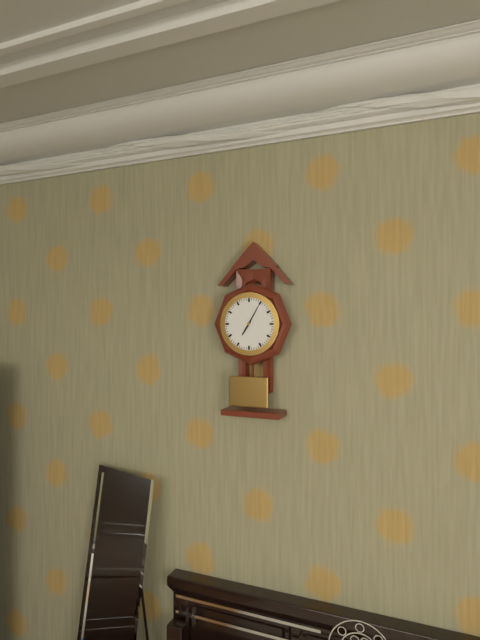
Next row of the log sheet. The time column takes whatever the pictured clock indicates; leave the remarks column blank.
7:05
